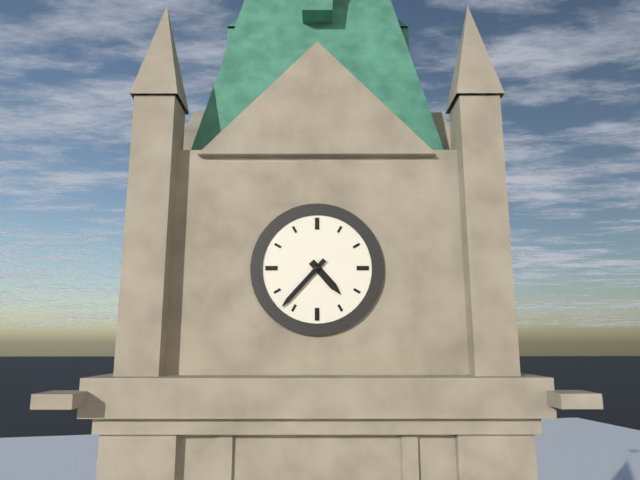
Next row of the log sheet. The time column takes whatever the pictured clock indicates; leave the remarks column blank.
4:37
